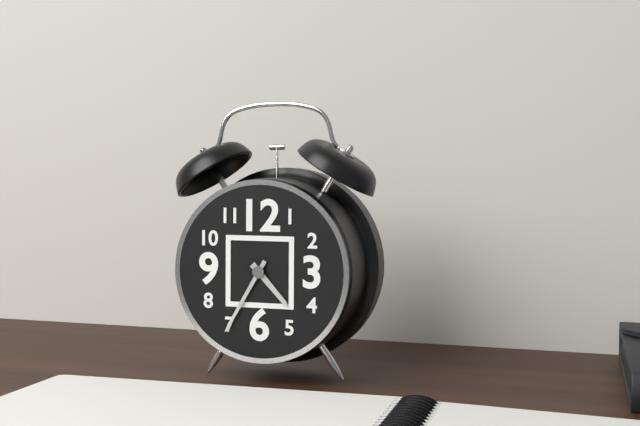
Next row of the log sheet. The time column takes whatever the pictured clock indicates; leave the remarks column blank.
4:35
